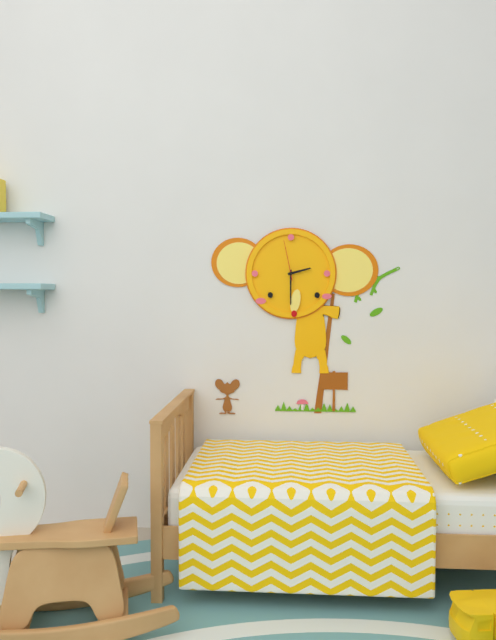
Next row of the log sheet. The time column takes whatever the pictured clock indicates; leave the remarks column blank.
2:30
